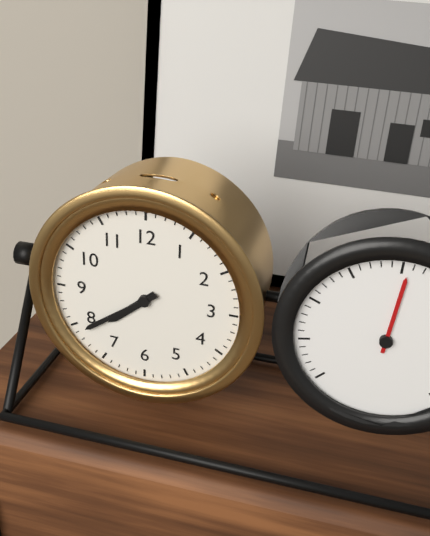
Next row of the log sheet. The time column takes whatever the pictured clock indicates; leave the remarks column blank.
7:39
